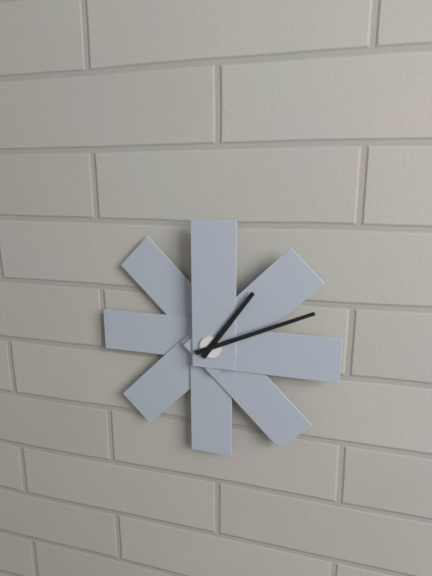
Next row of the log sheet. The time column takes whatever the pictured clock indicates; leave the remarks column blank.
1:11
